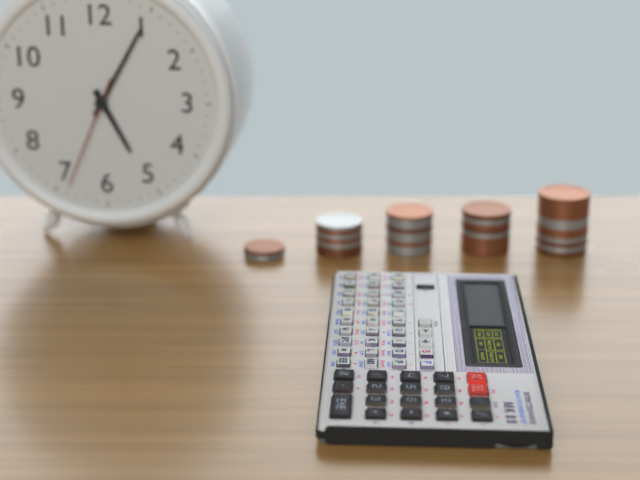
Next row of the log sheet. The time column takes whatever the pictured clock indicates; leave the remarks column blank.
5:05:34
